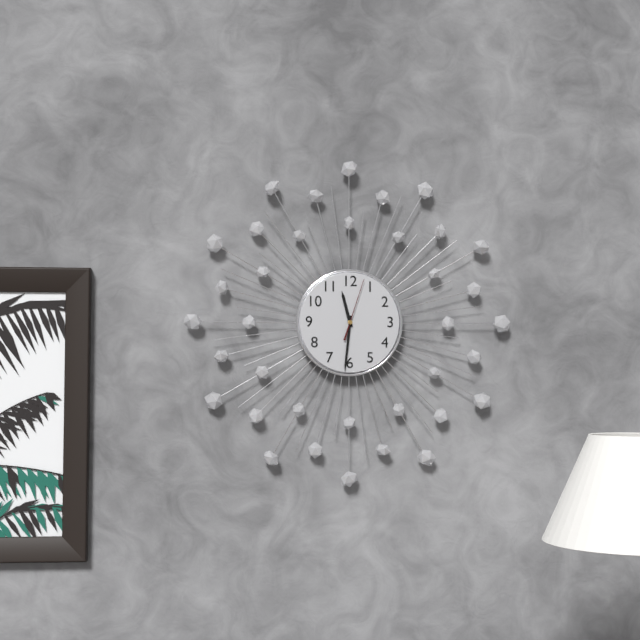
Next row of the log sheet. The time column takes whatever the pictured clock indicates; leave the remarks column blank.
11:31:03
